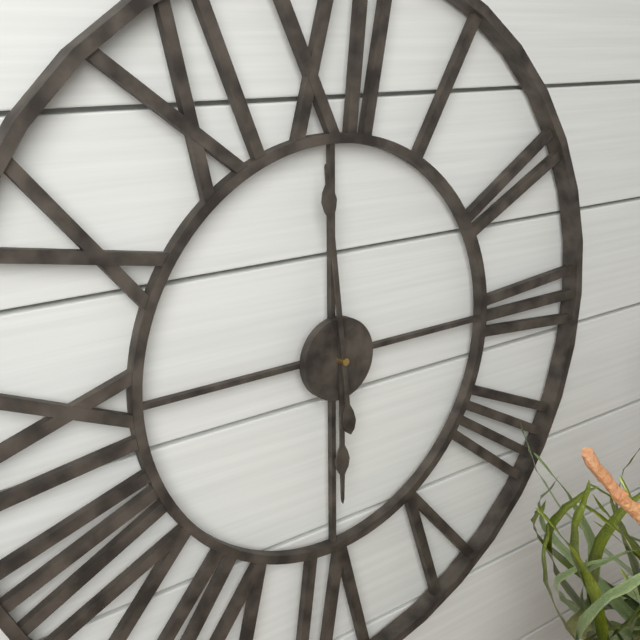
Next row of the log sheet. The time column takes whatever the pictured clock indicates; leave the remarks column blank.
5:59
